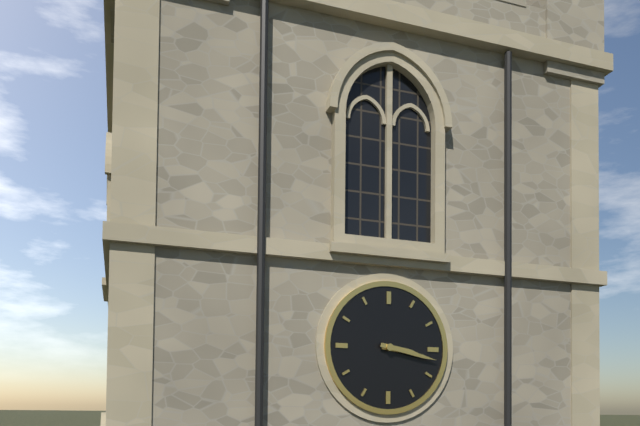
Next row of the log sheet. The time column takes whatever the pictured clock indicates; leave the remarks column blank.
3:17
